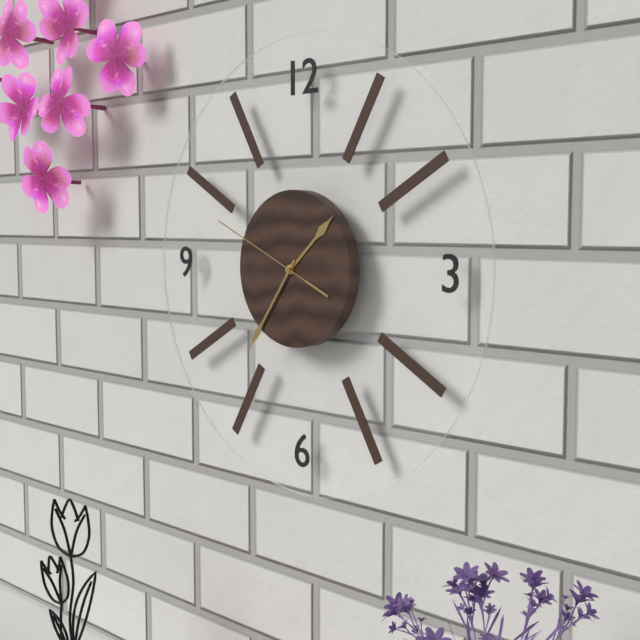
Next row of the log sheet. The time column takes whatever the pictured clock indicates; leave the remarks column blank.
1:36:49
